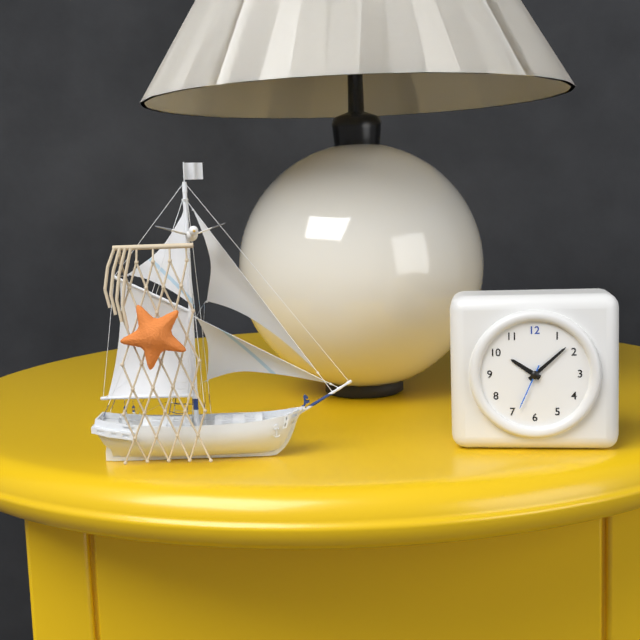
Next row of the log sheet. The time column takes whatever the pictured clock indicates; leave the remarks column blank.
10:08
